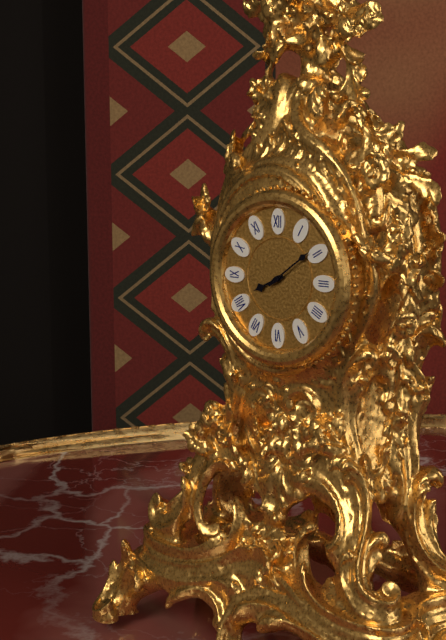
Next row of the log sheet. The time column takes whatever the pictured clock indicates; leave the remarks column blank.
8:09
